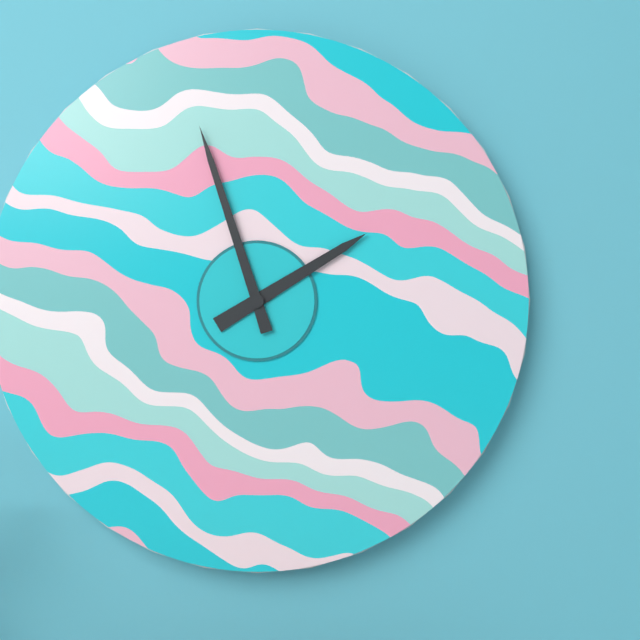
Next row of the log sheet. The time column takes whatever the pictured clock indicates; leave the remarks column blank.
1:57
